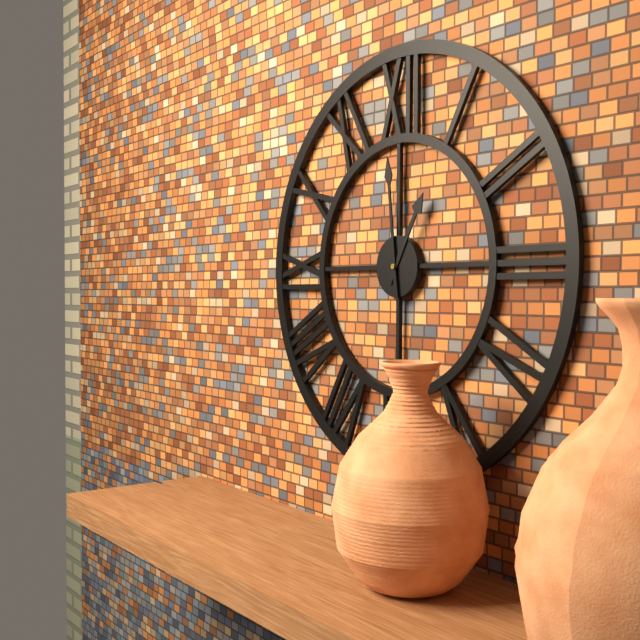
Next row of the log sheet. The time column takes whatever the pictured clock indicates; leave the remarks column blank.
12:59
